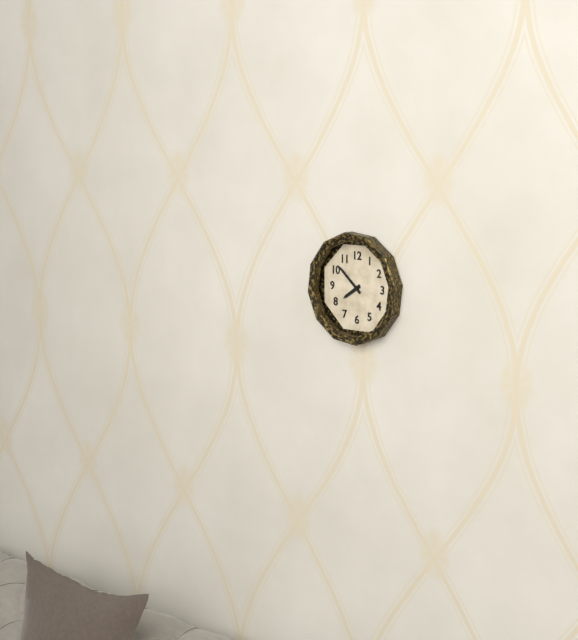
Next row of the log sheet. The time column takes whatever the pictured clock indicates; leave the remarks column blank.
7:52
